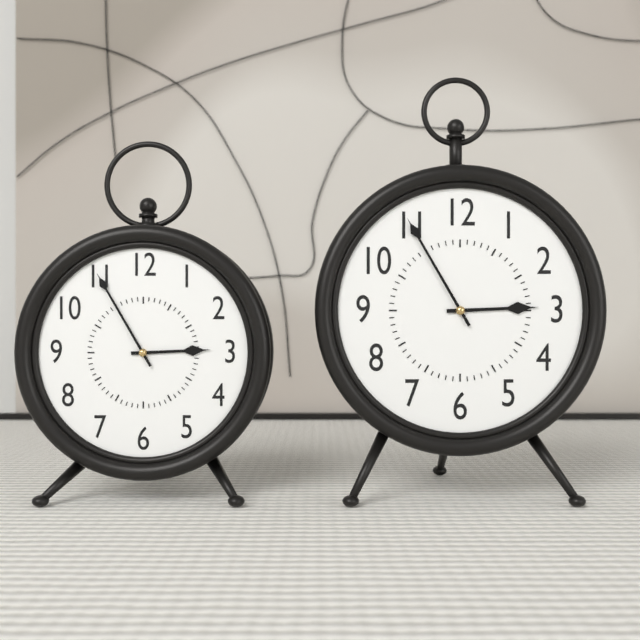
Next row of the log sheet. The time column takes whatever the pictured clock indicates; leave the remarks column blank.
2:55
